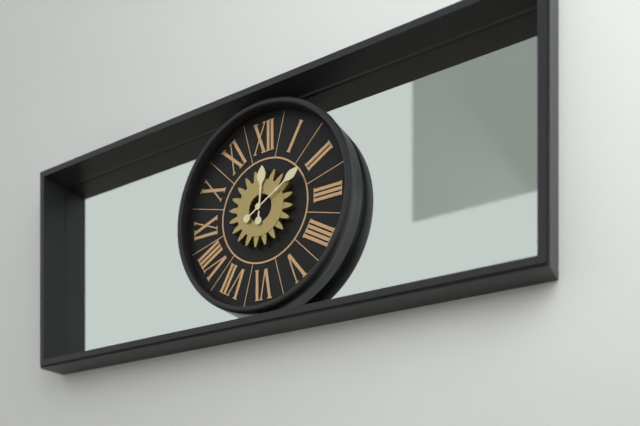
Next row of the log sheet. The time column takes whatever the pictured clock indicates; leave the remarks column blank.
12:10
